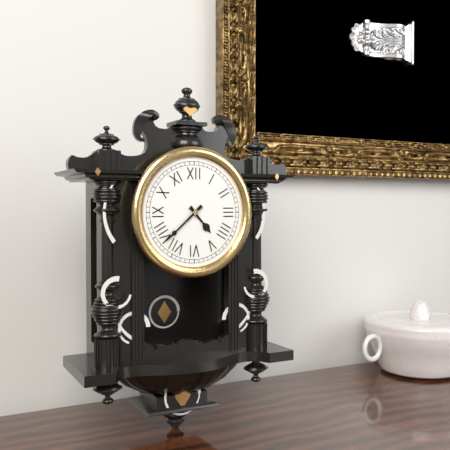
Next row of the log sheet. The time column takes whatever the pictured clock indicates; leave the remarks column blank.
4:38
